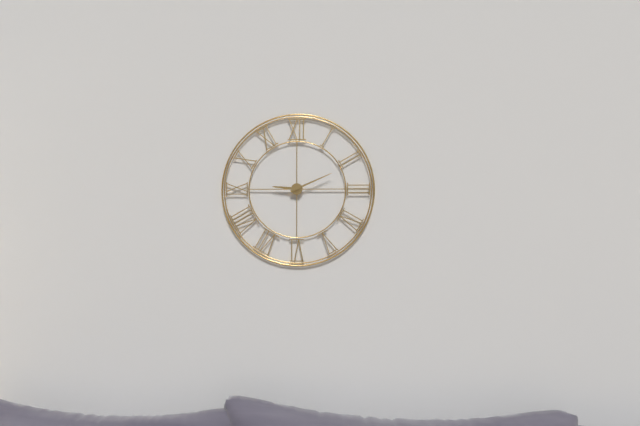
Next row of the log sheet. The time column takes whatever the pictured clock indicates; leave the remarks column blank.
9:11
